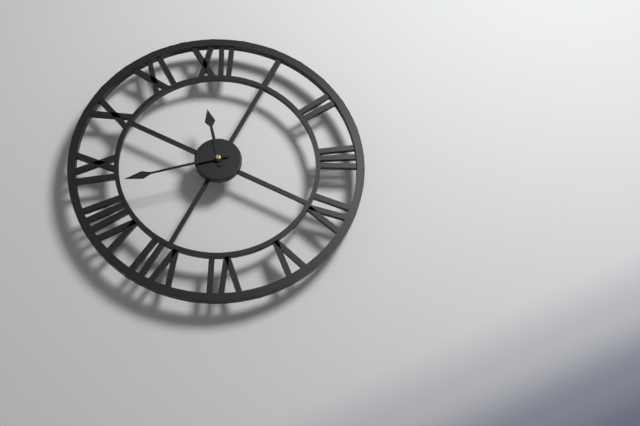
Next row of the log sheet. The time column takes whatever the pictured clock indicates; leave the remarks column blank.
11:43
